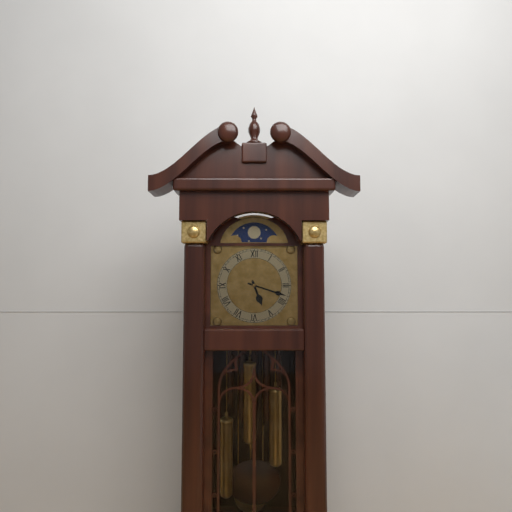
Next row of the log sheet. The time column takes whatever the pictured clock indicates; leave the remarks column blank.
5:18
